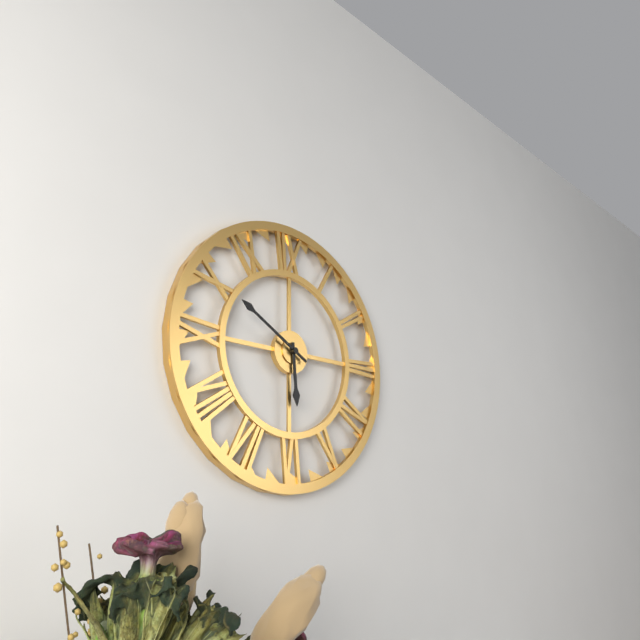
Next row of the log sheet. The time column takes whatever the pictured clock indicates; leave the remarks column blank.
5:50
